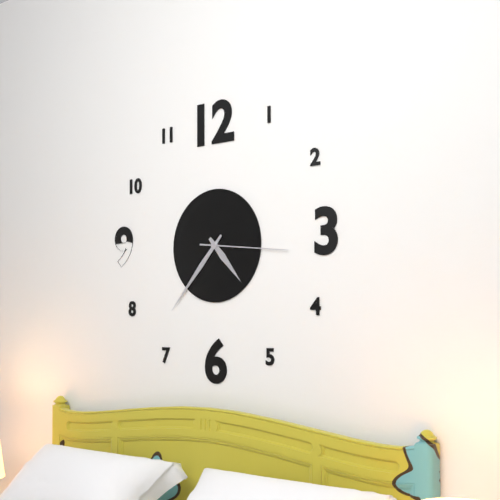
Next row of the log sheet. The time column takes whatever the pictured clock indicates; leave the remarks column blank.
4:37:16
